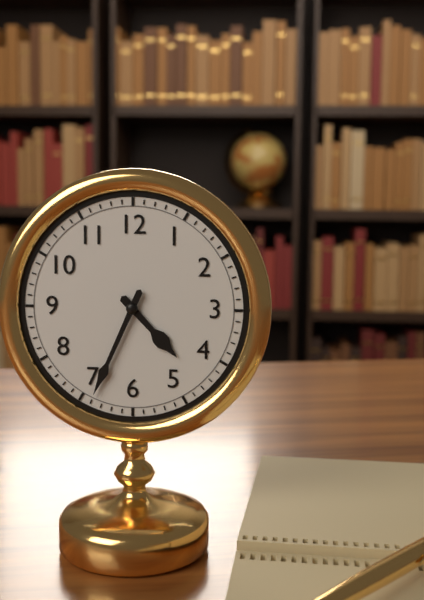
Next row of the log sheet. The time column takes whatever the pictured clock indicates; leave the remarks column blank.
4:34
